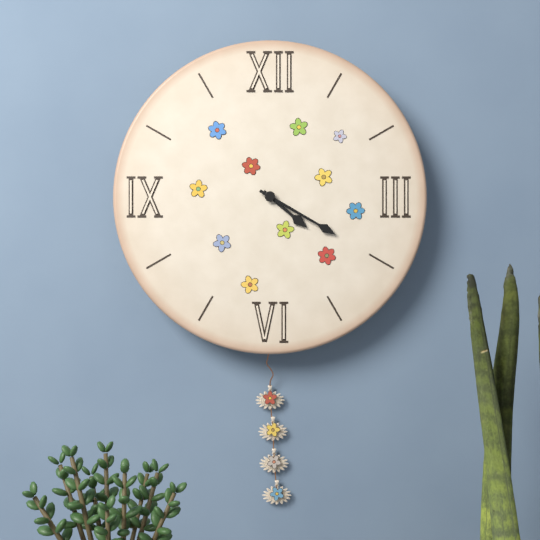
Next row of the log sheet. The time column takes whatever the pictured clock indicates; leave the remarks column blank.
4:20
